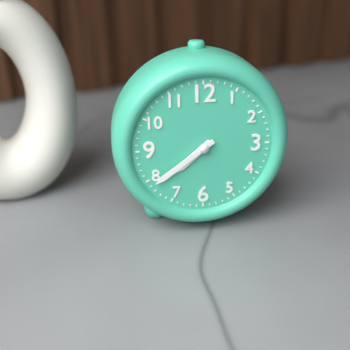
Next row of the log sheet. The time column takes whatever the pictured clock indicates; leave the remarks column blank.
7:39
